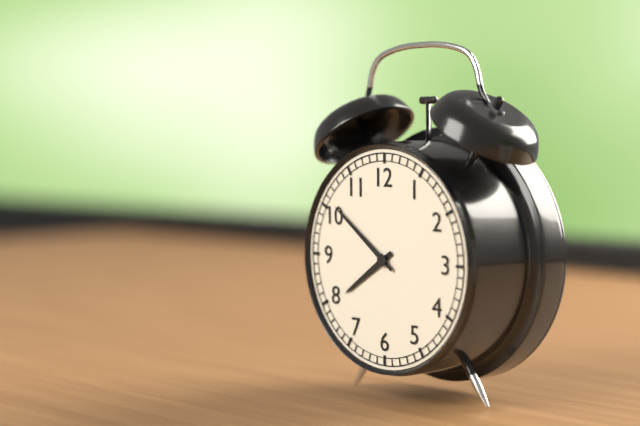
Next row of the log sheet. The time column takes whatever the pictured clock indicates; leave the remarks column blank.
7:51
